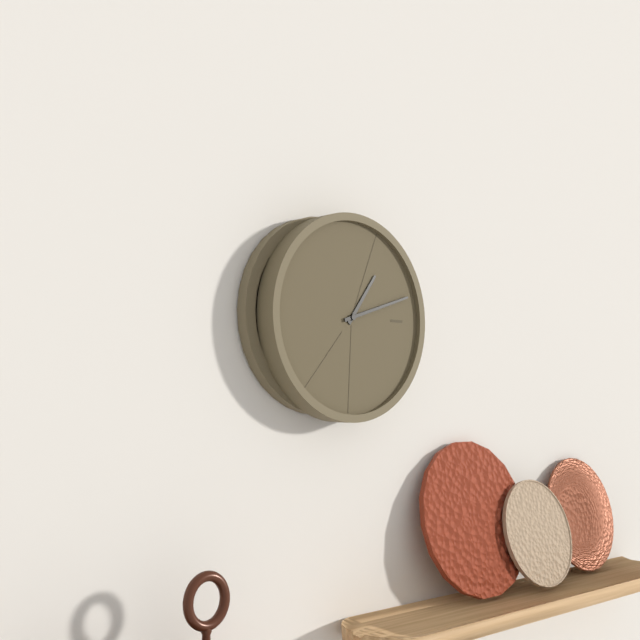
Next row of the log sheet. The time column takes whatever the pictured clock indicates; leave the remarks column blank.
1:12
